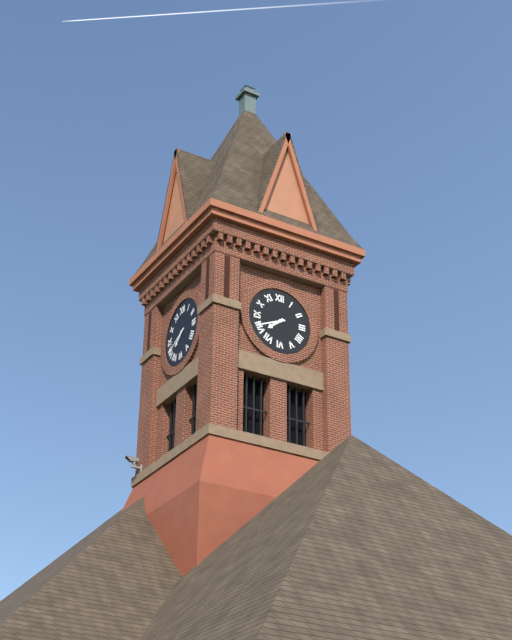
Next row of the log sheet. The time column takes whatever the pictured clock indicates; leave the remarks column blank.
7:41
